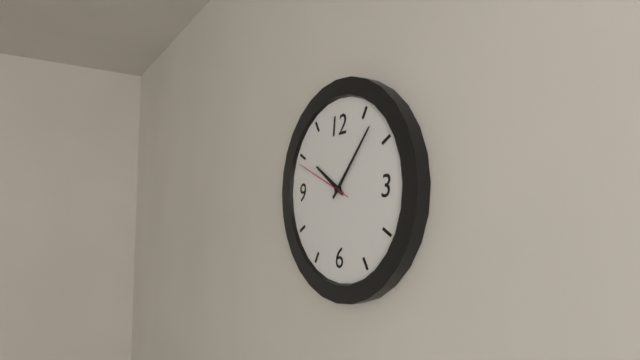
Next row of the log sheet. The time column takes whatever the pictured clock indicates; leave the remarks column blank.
10:07:49
